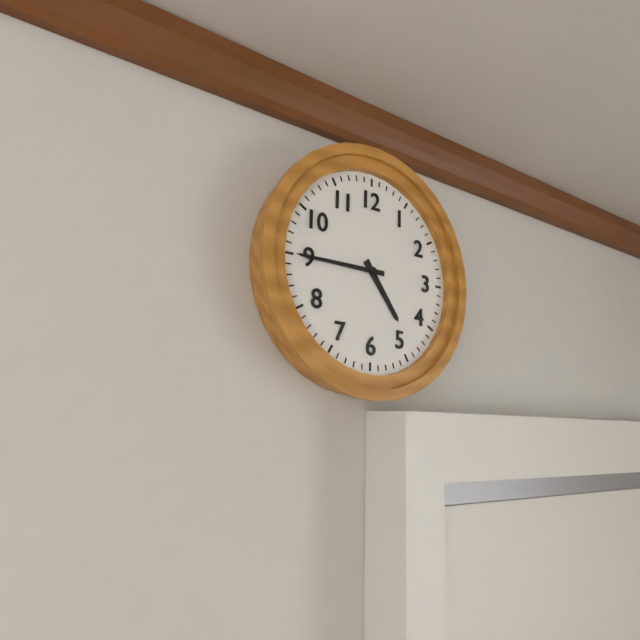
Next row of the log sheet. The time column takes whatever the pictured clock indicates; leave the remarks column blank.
4:45
